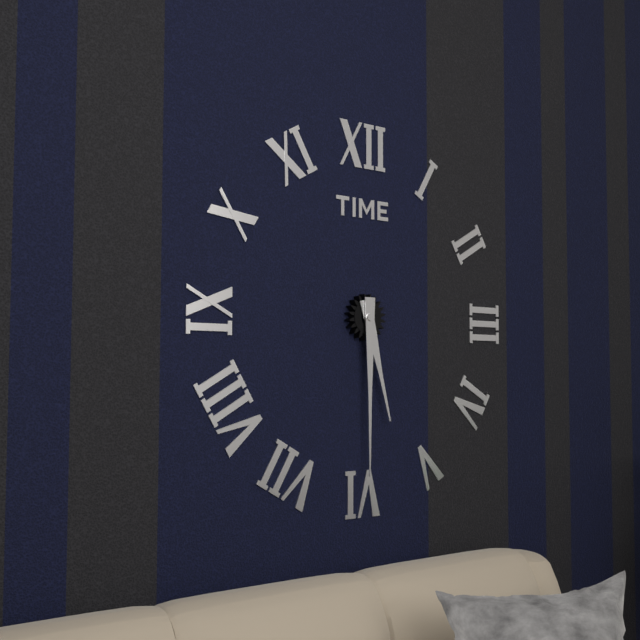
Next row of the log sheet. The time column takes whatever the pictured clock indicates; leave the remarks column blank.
5:30
